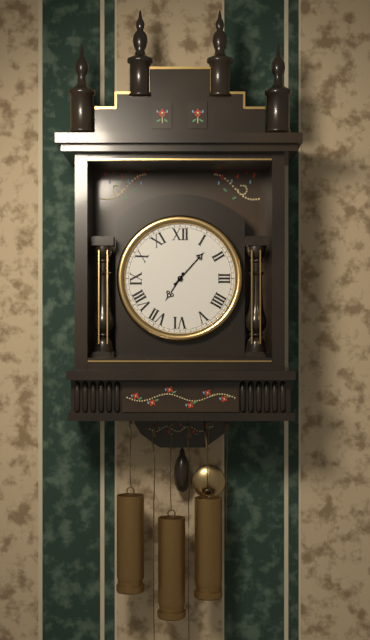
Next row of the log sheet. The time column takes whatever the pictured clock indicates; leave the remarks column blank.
7:07
